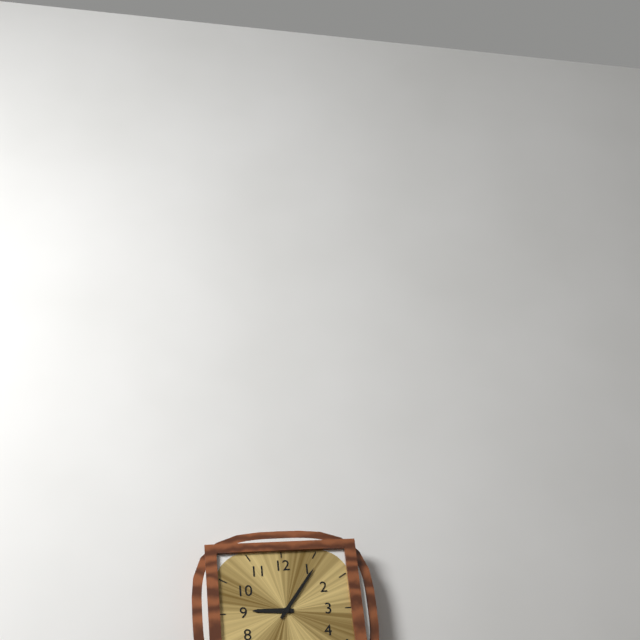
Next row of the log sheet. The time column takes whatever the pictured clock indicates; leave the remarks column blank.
9:06
